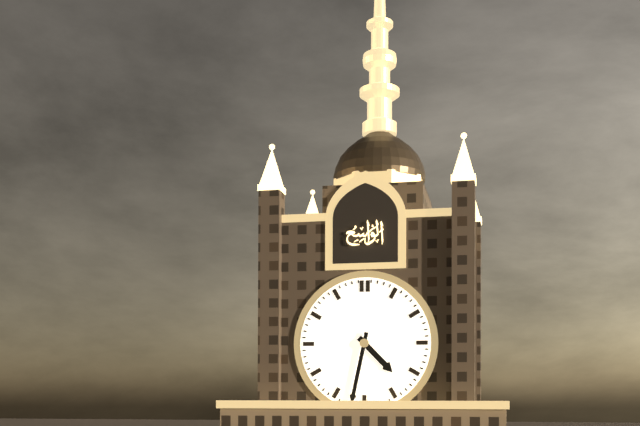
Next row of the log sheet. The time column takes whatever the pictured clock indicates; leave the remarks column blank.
4:32
